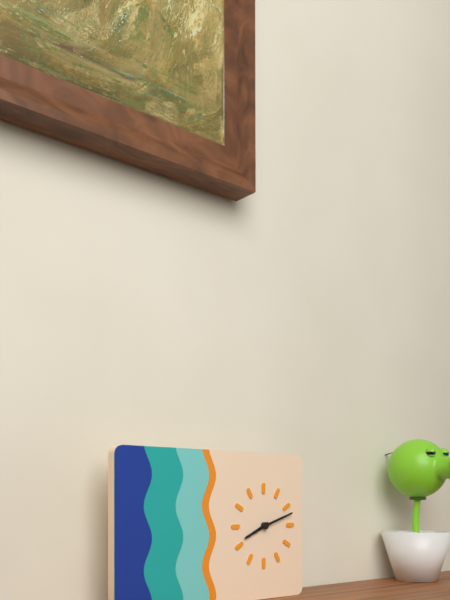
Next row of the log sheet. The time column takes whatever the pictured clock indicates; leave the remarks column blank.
8:12
